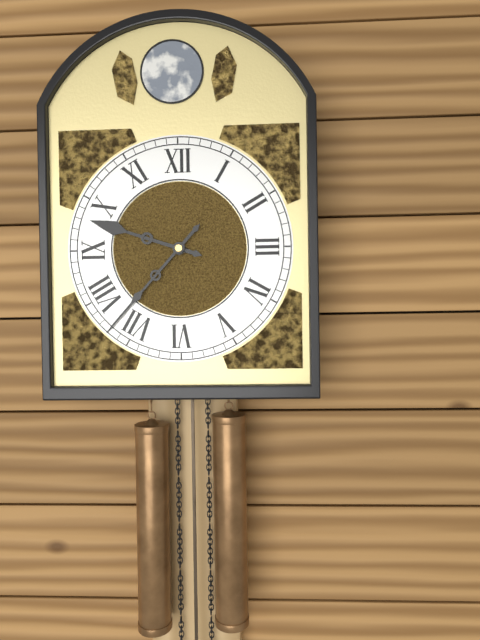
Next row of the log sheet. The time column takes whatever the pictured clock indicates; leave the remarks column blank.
9:37
